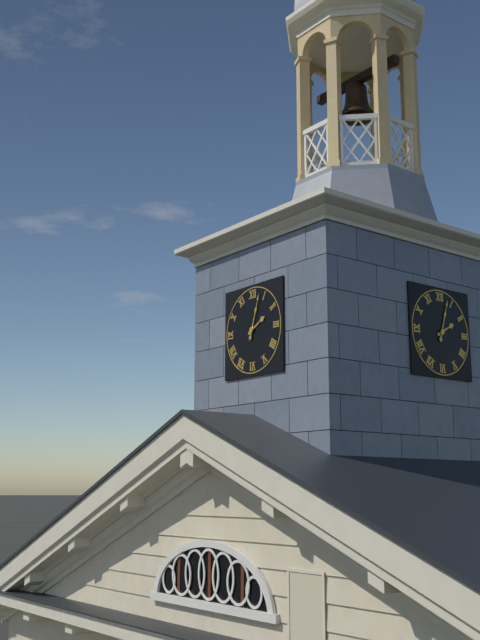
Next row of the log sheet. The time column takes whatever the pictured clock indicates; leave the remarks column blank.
2:03
